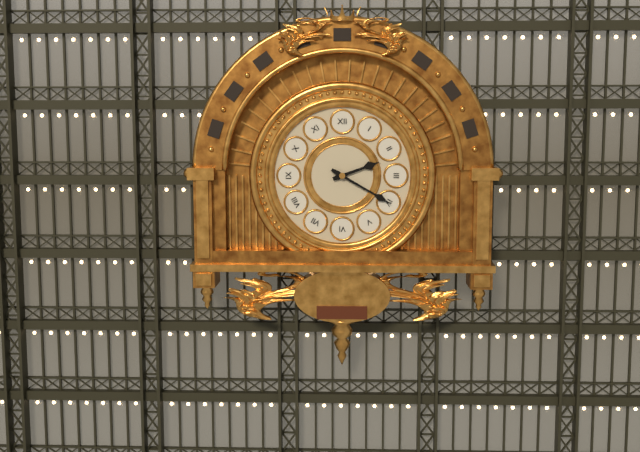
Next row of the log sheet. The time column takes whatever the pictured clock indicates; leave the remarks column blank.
2:20
